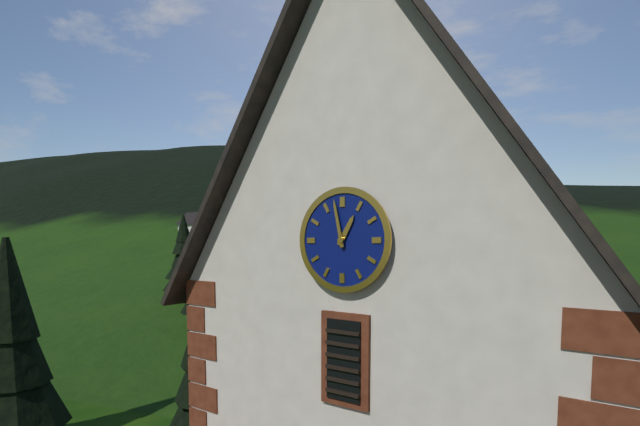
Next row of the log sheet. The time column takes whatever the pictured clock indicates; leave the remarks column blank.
12:58
